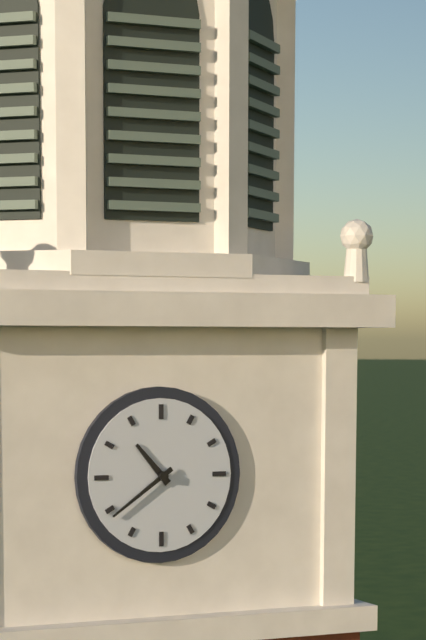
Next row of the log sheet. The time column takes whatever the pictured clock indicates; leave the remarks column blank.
10:39
